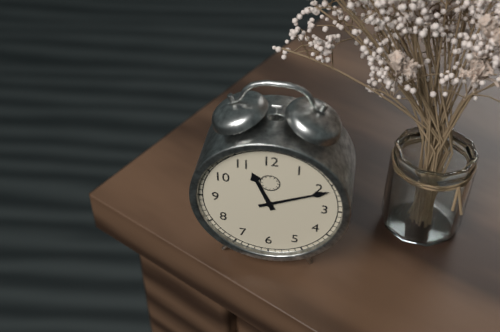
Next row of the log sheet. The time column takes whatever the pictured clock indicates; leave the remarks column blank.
11:11
